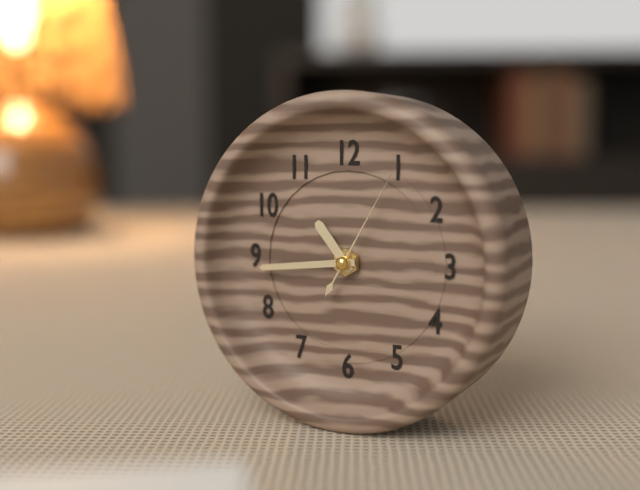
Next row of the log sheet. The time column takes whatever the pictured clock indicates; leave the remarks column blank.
10:44:05
